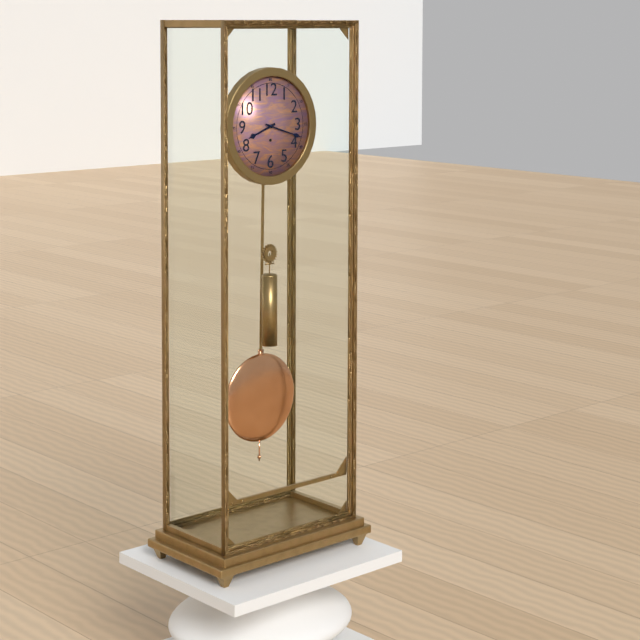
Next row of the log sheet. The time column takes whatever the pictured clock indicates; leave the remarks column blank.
8:18
